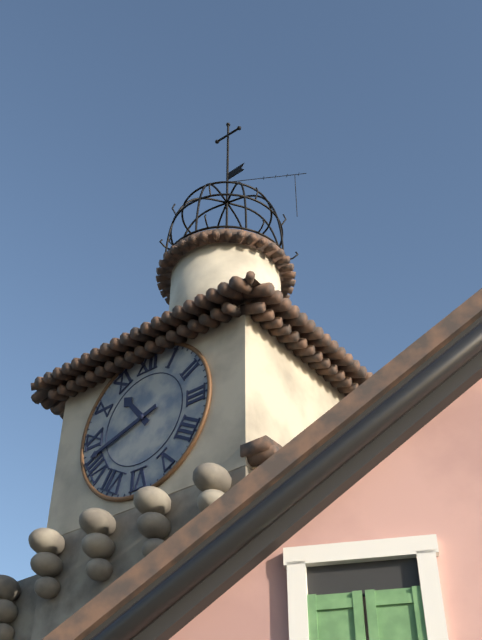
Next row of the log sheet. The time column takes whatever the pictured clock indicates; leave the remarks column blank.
10:42
